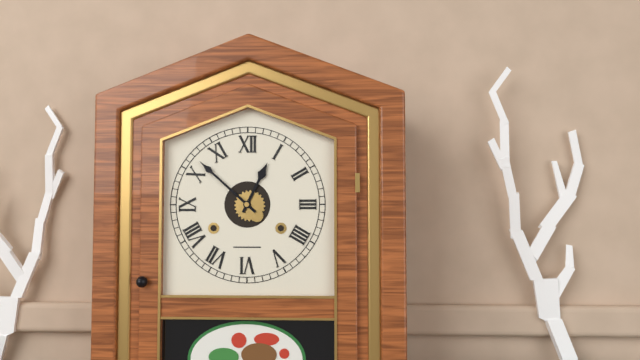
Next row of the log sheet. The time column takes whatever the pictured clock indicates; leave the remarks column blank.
12:52
